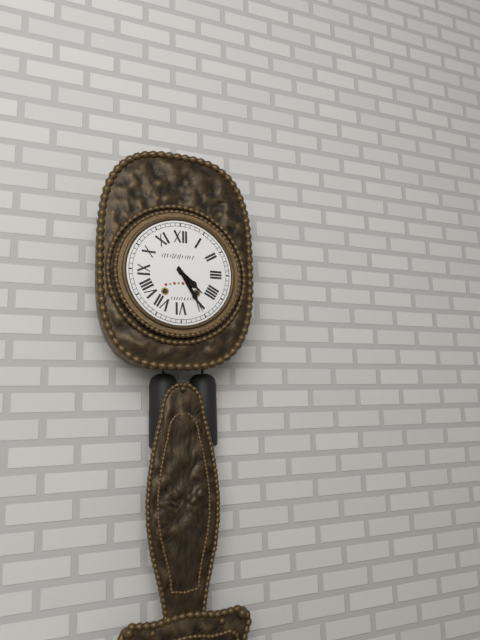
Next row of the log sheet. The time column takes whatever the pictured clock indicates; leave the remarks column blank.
4:25
